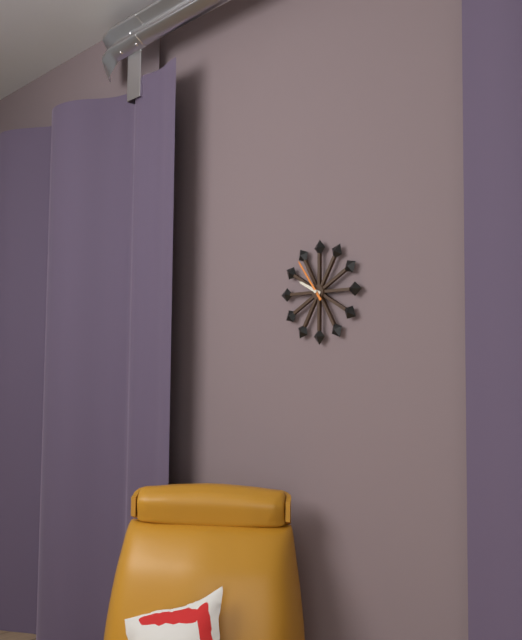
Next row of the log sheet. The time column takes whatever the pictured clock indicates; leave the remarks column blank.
9:54
